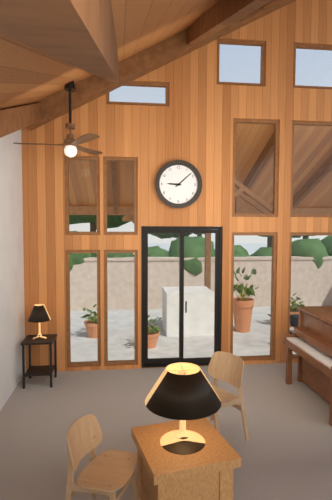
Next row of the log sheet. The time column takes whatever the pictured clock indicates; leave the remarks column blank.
9:08
